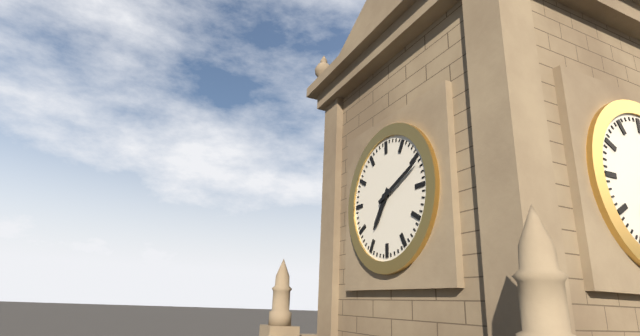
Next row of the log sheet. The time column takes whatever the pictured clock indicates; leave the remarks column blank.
7:11
